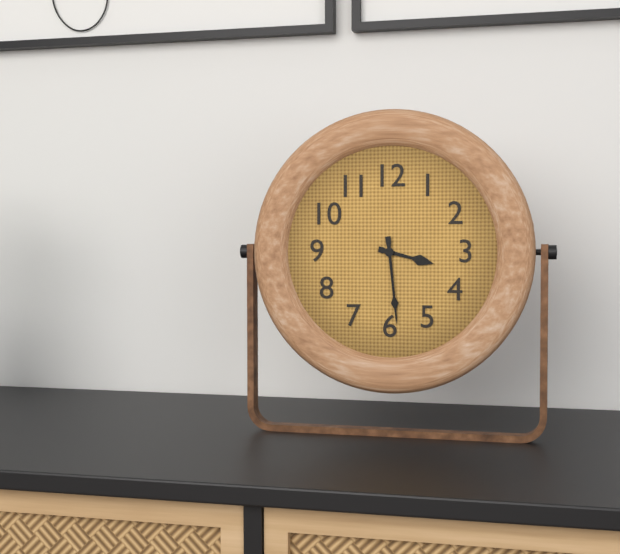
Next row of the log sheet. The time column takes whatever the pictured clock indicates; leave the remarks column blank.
3:29
